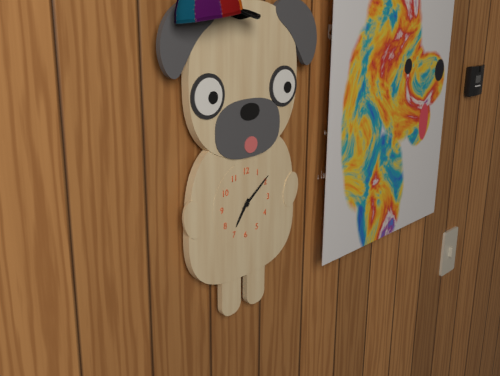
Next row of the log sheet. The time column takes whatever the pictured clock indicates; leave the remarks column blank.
7:09
